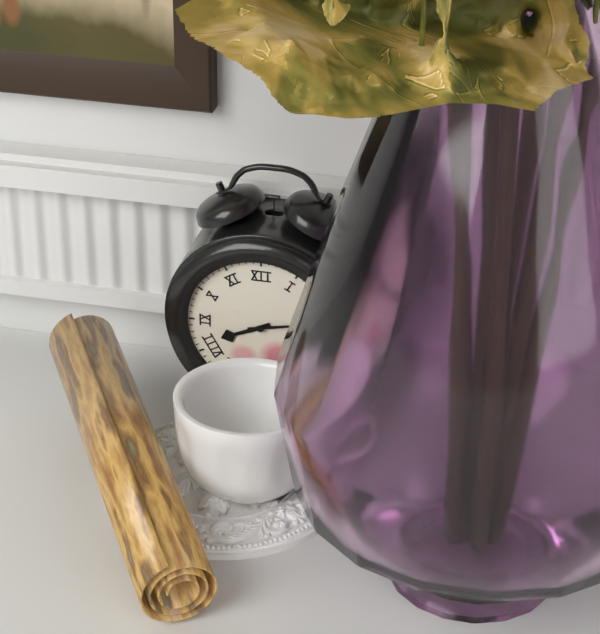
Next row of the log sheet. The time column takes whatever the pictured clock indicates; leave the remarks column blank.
8:13
